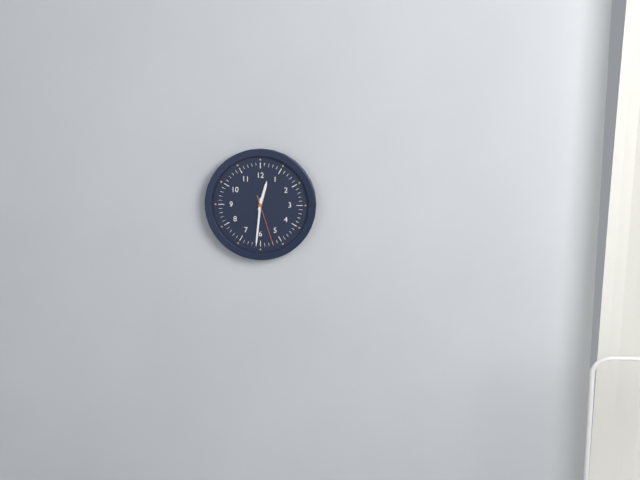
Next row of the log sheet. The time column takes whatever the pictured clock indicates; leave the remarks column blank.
12:31:27
